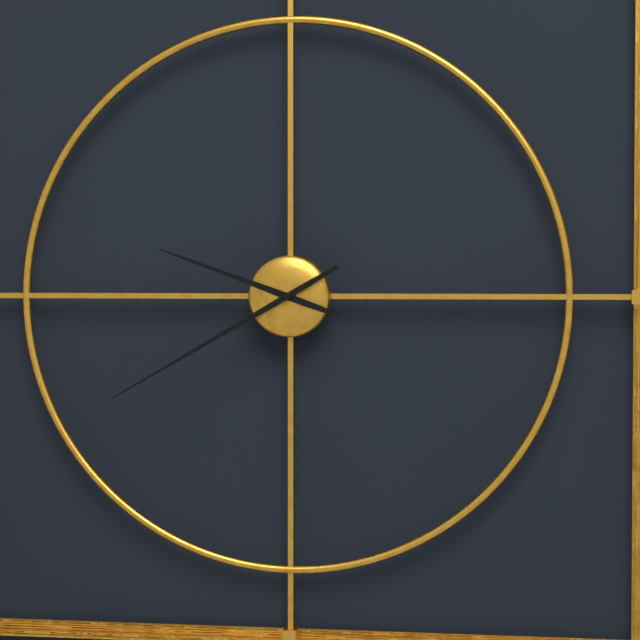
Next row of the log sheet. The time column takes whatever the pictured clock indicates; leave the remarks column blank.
9:40
